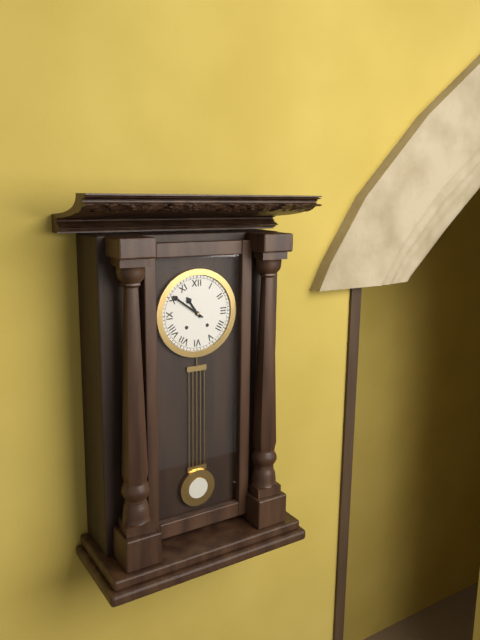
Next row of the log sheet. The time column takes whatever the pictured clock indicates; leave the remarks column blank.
10:51
